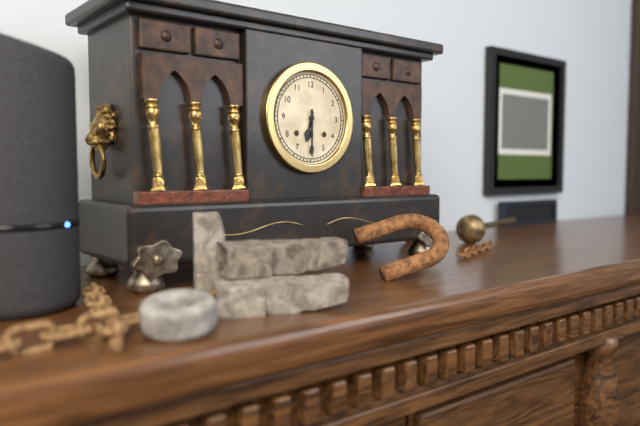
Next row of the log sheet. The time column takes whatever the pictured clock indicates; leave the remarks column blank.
6:30
